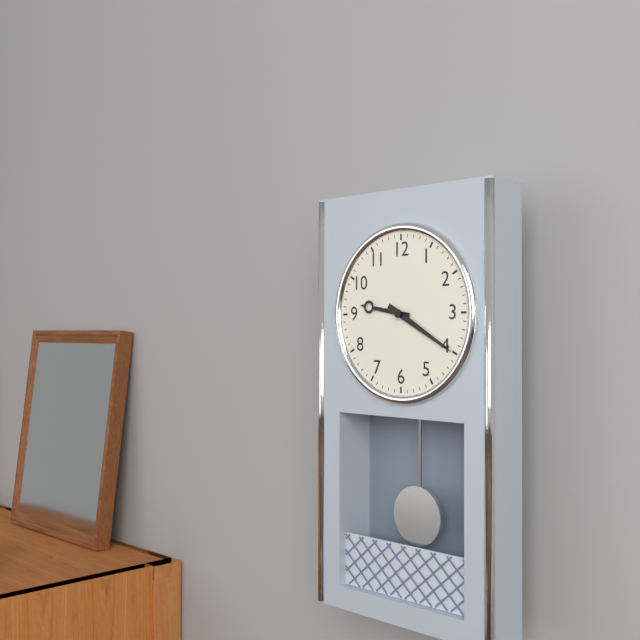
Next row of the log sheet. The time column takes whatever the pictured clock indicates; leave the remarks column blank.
9:20
